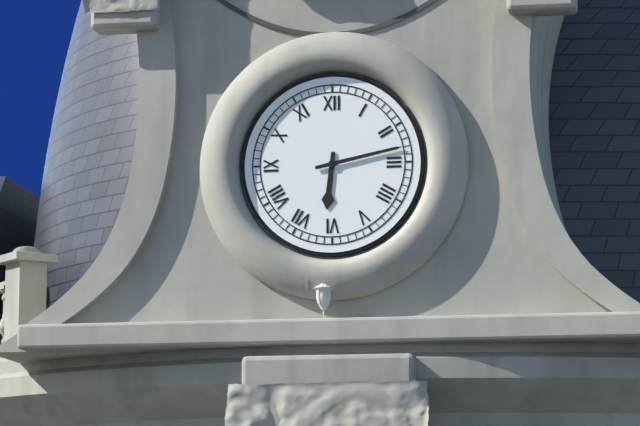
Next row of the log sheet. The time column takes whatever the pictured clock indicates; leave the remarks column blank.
6:13
